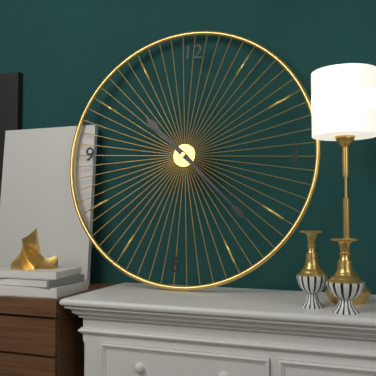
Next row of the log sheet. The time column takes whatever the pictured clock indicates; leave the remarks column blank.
10:22
